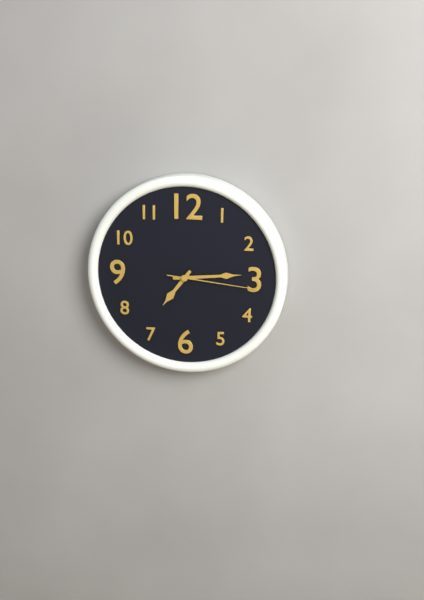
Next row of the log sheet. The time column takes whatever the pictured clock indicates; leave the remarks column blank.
7:14:16
